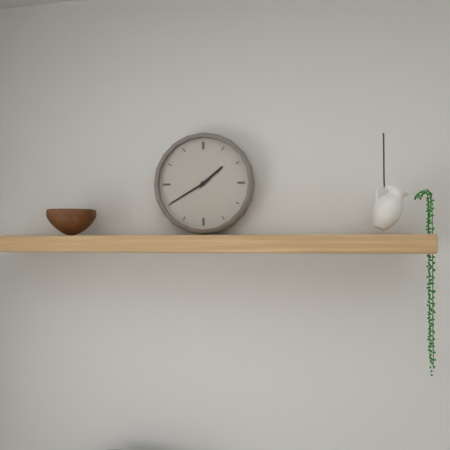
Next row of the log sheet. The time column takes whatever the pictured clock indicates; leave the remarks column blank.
1:40
